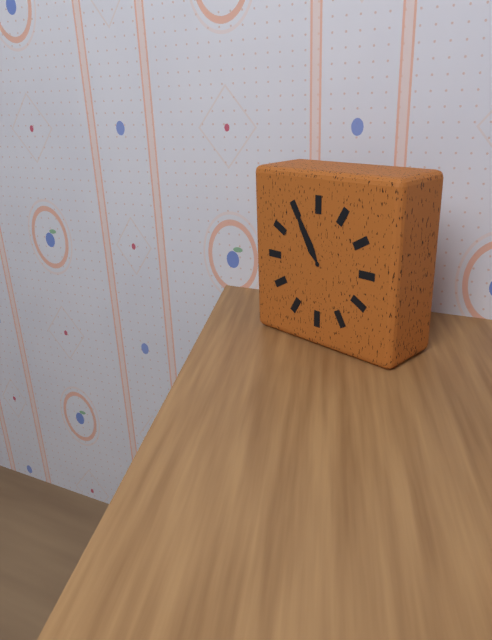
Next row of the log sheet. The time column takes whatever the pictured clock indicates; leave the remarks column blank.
10:55
